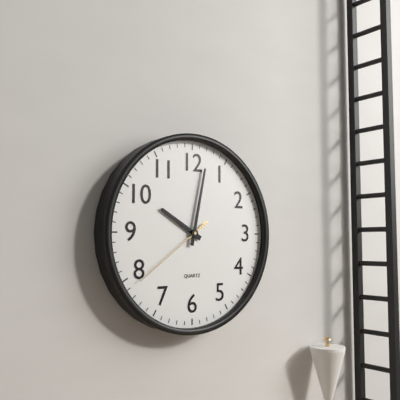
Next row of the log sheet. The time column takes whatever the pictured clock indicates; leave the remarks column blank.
10:02:39
